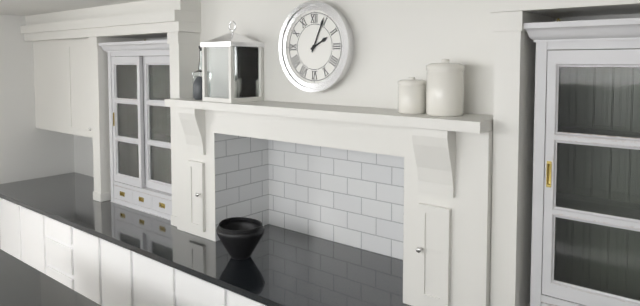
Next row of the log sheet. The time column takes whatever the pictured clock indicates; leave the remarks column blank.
2:04
